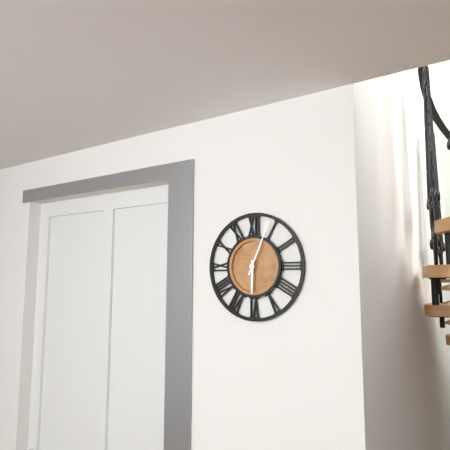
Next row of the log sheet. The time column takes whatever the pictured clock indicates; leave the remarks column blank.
6:04
